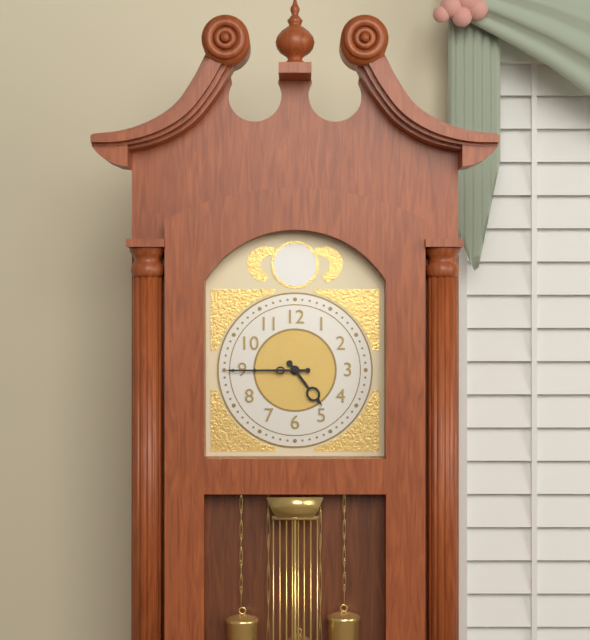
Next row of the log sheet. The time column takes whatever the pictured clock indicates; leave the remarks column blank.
4:45
